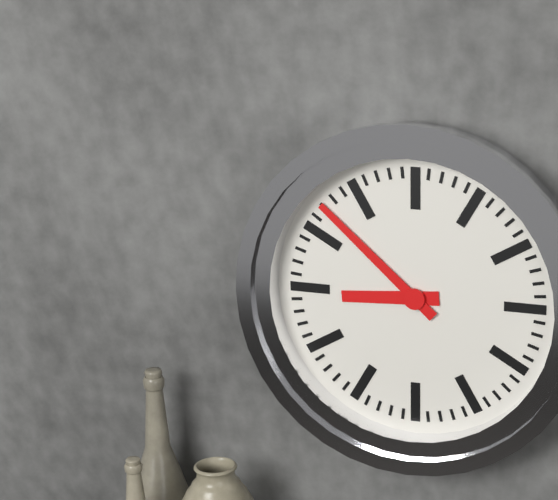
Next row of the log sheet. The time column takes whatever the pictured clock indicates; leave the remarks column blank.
8:52
